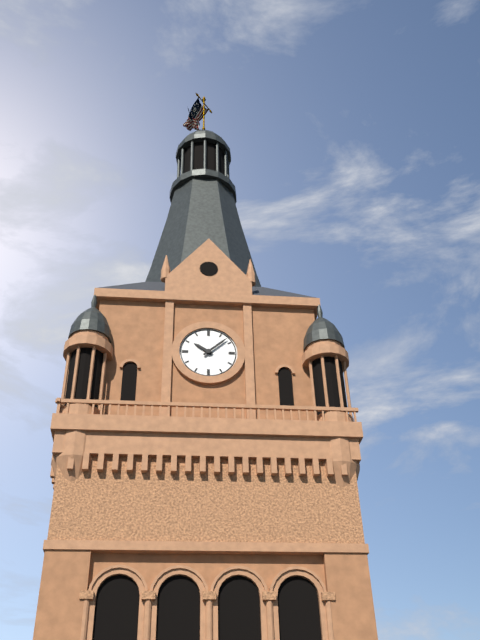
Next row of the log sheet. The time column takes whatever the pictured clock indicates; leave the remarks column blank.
10:08
